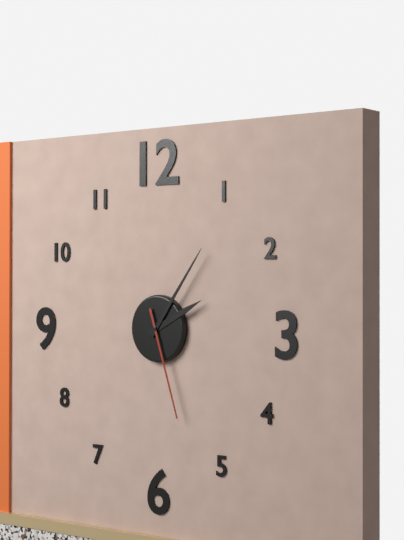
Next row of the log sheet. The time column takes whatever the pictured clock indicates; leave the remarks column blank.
2:06:27
